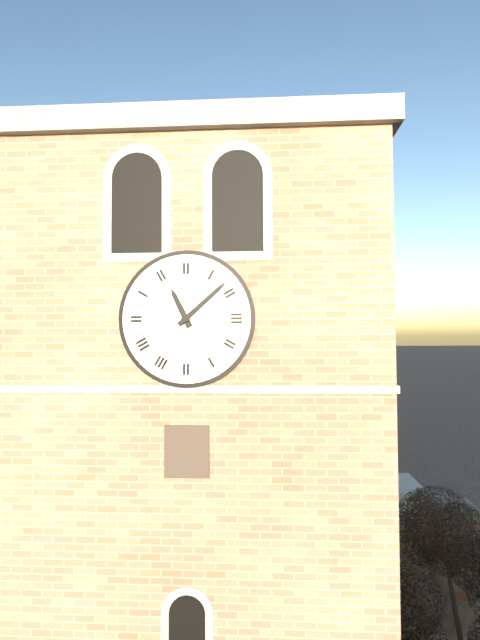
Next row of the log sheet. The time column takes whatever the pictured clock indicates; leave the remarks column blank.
11:08
